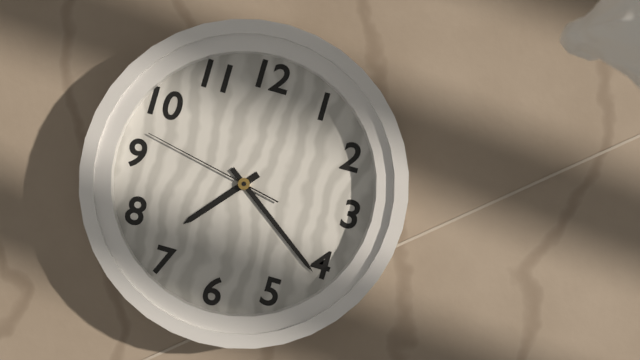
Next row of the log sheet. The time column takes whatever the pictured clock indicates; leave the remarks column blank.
7:21:47
